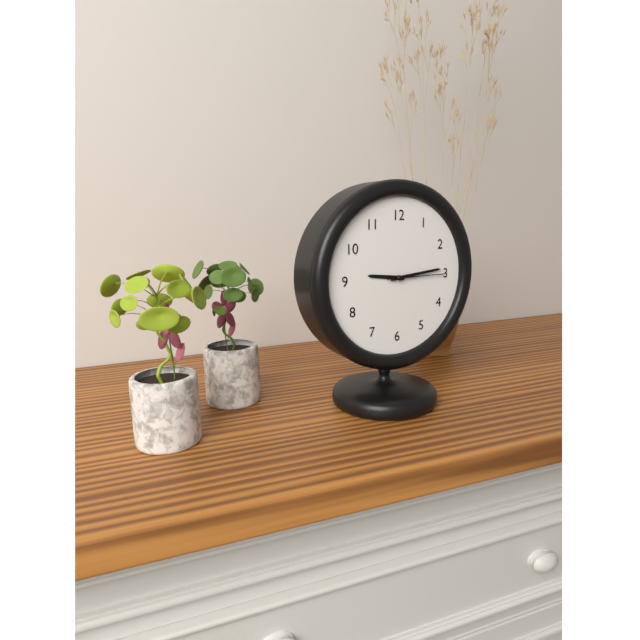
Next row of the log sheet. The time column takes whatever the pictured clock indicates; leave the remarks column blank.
9:14:15
